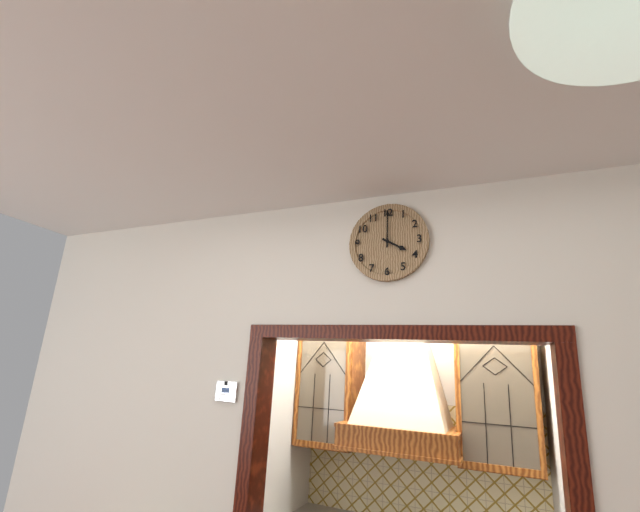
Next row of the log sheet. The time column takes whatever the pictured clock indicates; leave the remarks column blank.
4:00
